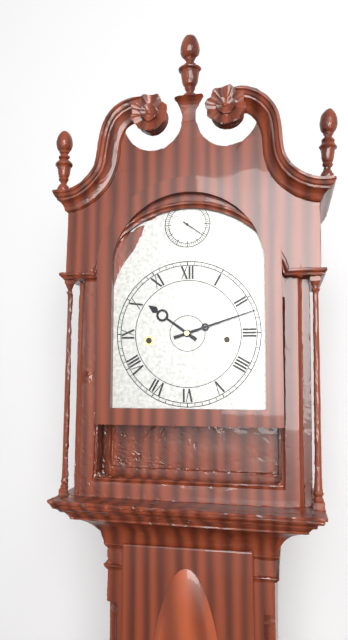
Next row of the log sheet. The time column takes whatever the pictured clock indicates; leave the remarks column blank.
10:12
